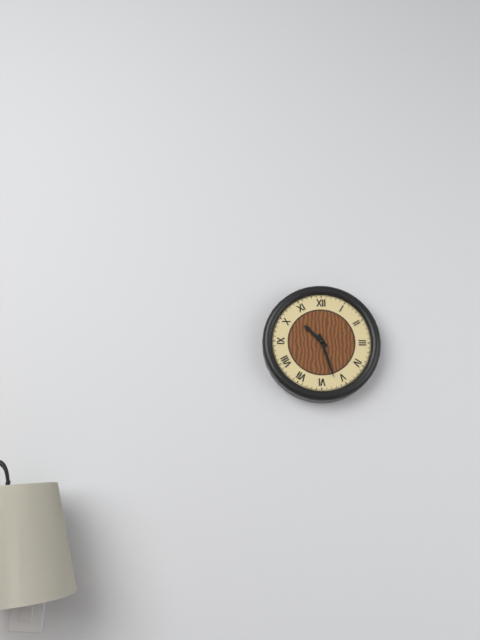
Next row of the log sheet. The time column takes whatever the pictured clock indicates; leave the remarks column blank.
10:27
